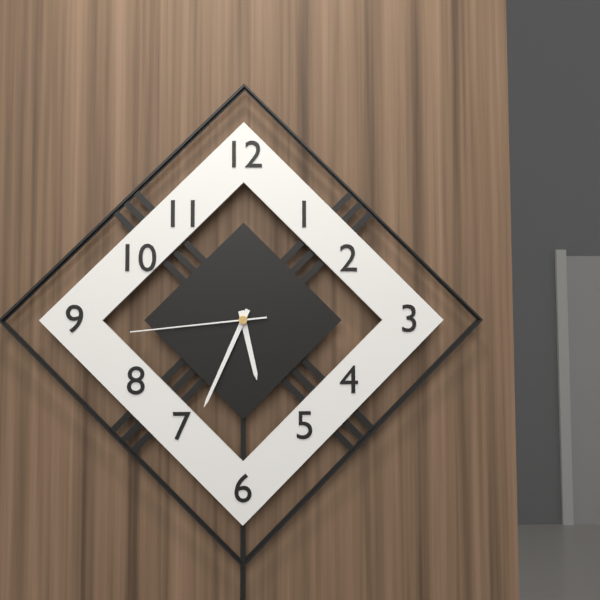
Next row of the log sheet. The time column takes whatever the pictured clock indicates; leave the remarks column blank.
5:34:44
